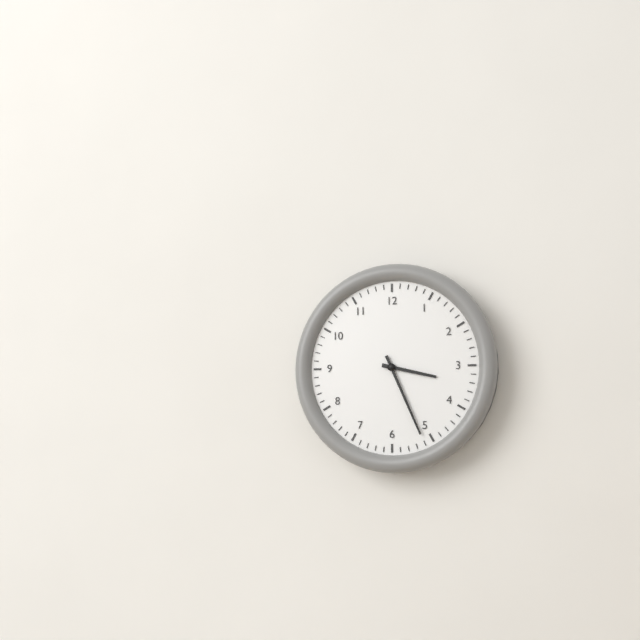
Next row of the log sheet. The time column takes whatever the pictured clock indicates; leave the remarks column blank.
3:26
